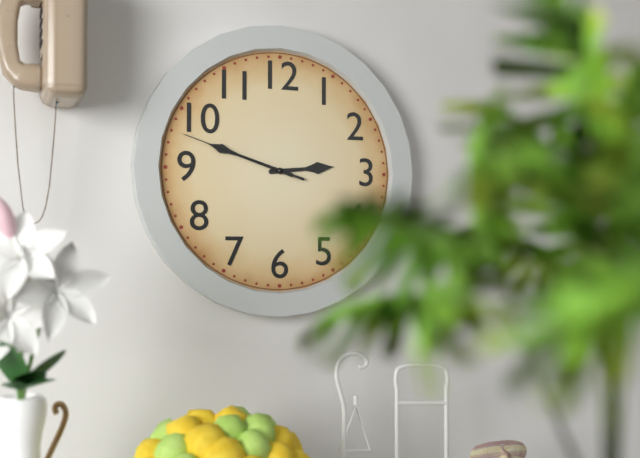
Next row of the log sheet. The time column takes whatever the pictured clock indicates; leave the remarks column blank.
2:48:48
